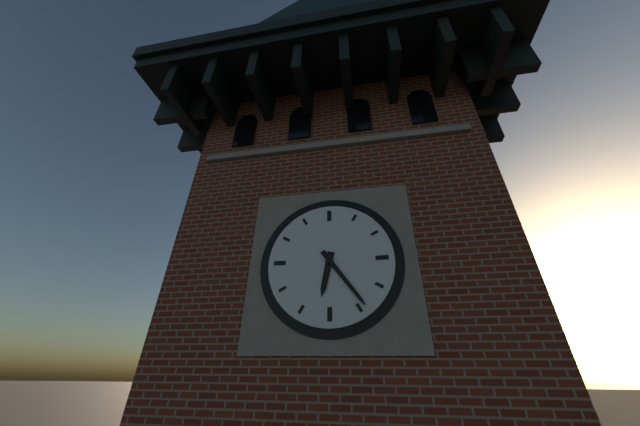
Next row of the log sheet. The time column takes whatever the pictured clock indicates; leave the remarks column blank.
6:24
